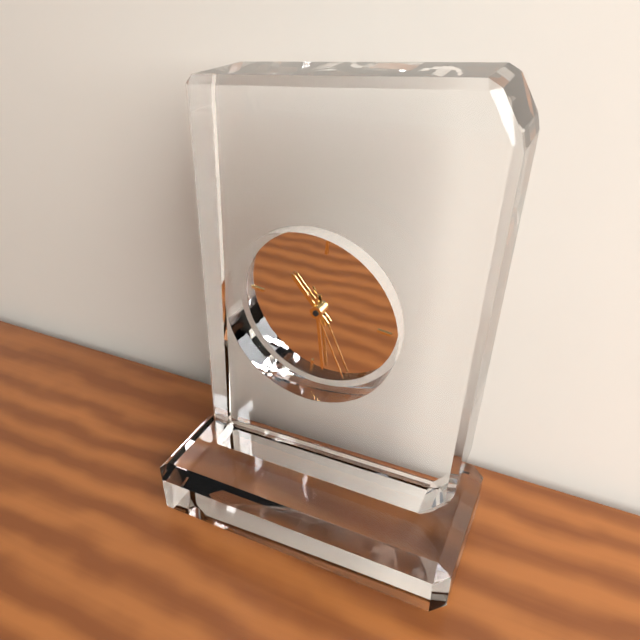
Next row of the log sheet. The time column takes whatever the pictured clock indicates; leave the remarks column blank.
10:28:25
